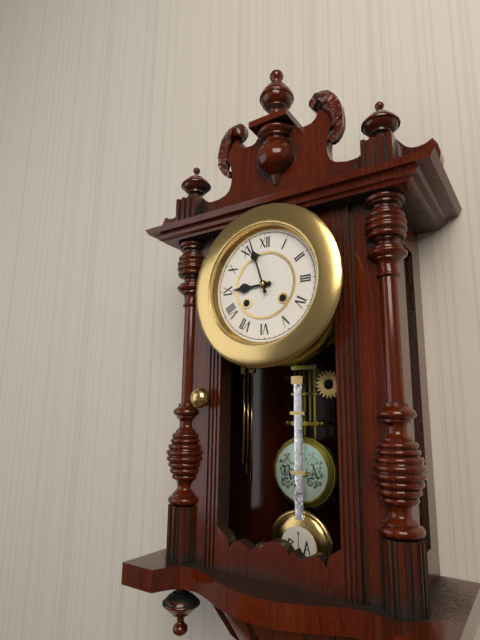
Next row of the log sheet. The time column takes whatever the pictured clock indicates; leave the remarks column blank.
8:57
